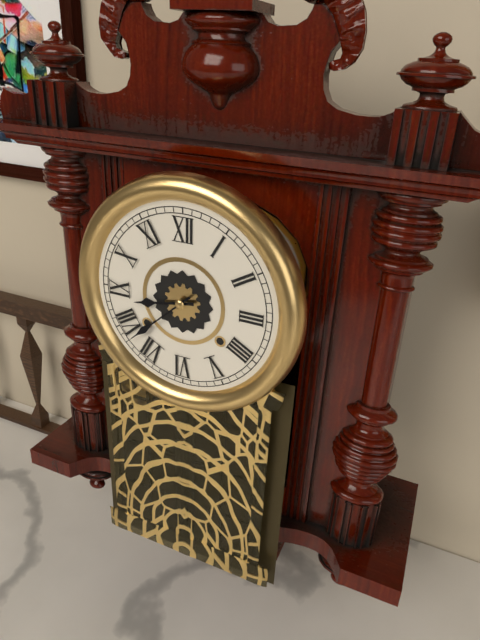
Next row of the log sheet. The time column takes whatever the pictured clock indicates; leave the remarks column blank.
8:38
